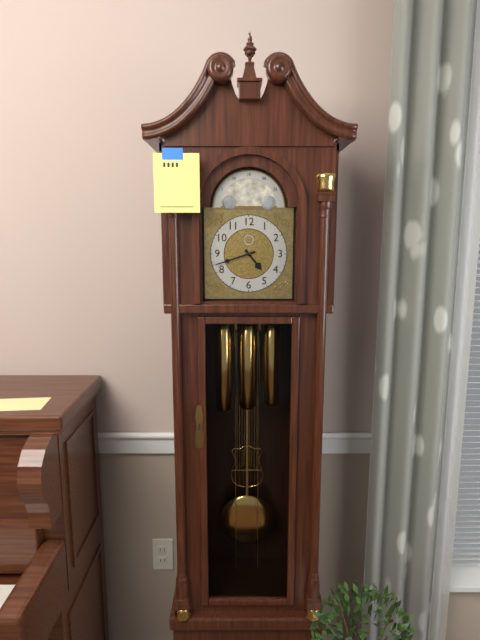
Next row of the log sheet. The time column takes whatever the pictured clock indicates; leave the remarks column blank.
4:42
